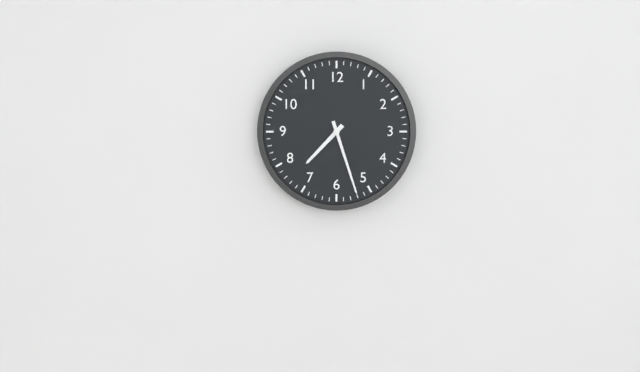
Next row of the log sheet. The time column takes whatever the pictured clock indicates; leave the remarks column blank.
7:27
